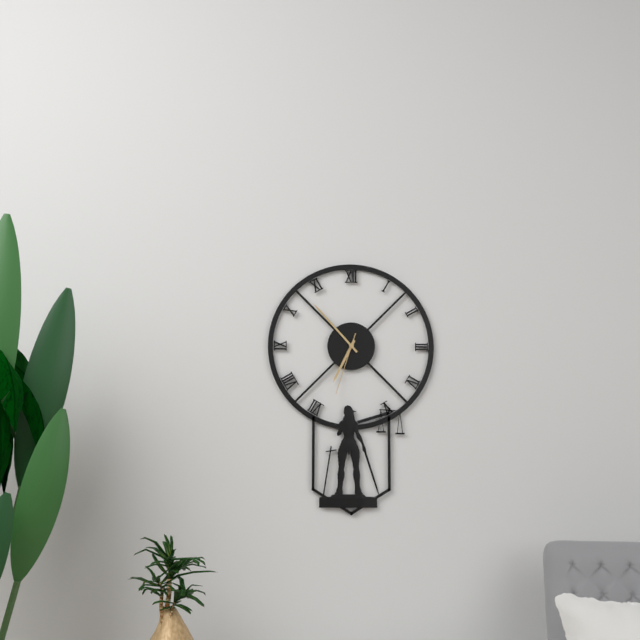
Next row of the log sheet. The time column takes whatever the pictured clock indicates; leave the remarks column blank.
6:53:33
